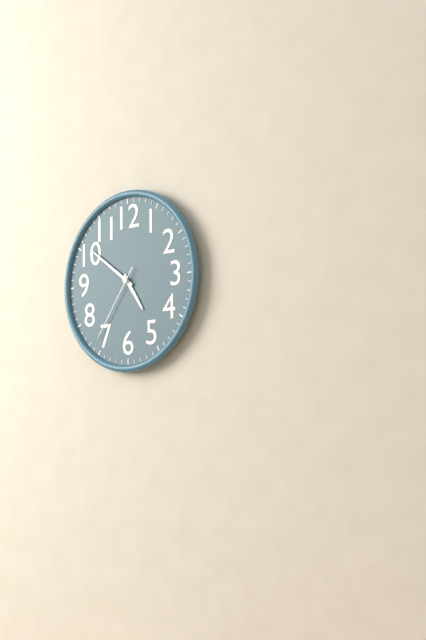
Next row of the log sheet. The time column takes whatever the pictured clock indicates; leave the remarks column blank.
4:51:36
